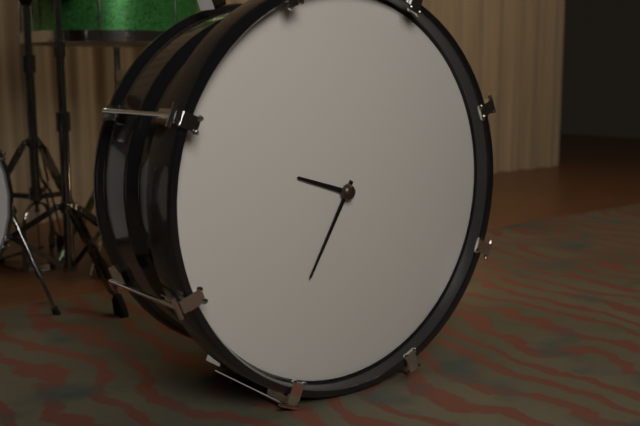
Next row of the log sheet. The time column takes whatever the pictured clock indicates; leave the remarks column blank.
9:35
